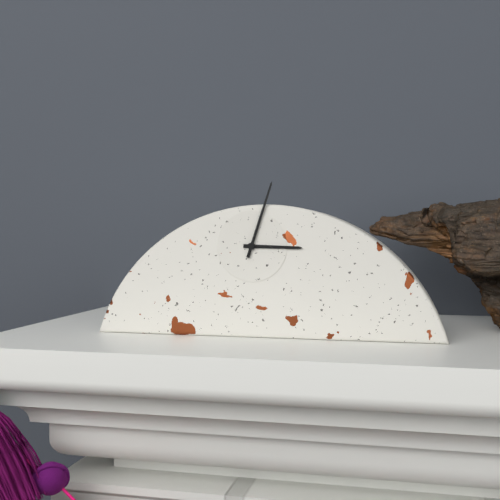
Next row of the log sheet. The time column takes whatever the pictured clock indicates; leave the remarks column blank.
3:03
